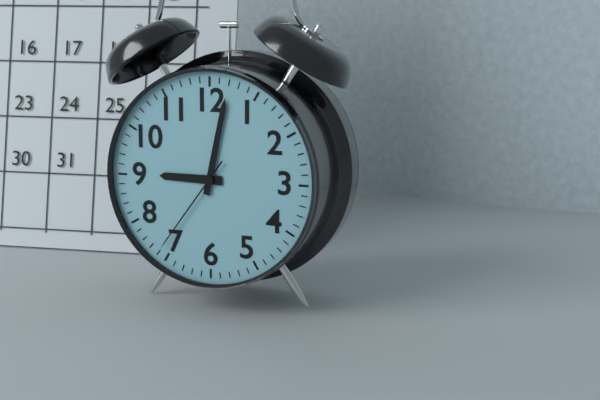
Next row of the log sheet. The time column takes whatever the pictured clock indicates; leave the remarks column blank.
9:02:36
